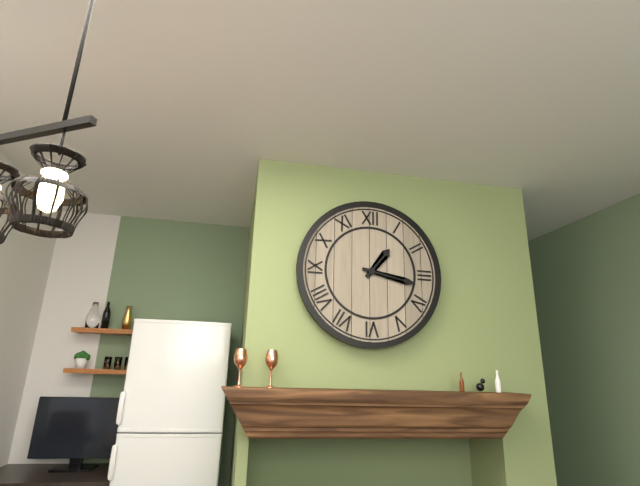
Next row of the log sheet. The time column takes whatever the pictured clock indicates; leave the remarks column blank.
1:17
